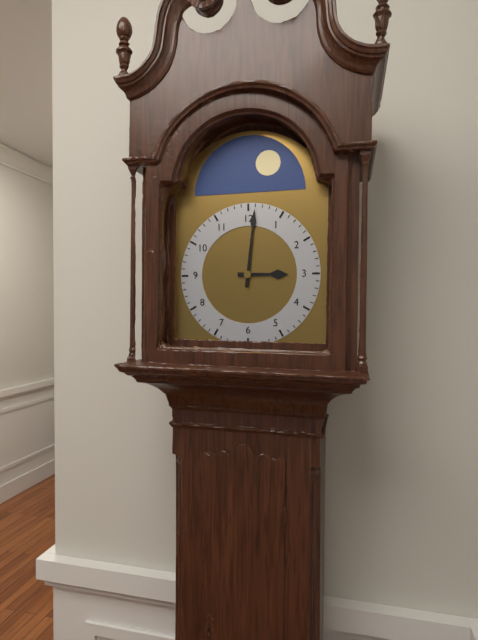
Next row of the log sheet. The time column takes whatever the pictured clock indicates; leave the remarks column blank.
3:01
